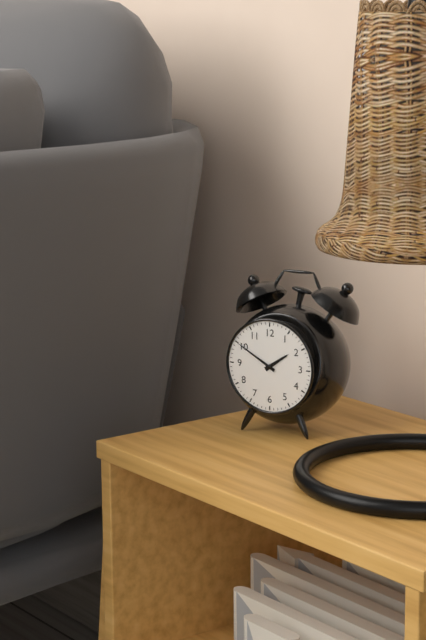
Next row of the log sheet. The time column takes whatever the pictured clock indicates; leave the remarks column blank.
1:50
